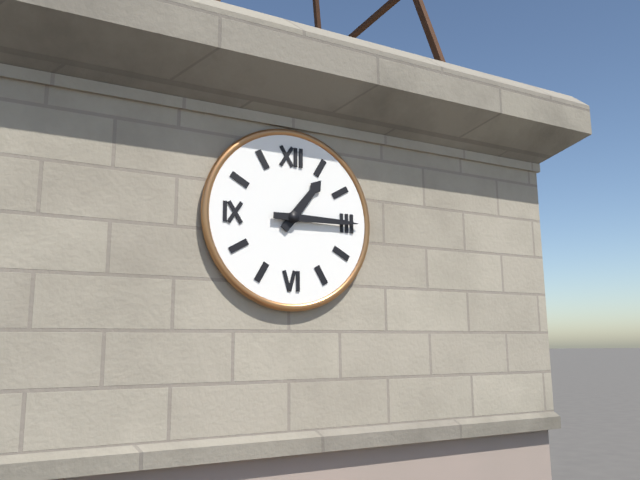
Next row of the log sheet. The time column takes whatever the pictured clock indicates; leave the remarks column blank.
1:15
